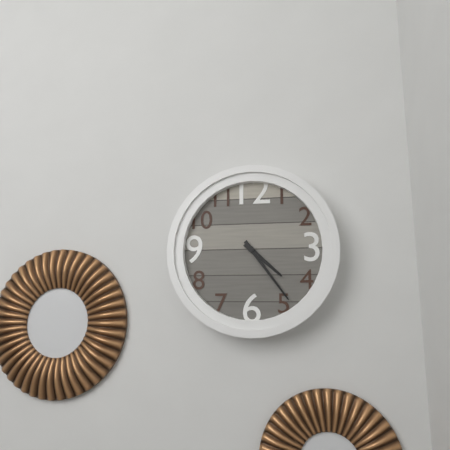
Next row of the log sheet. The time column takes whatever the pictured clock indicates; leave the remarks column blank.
4:24
